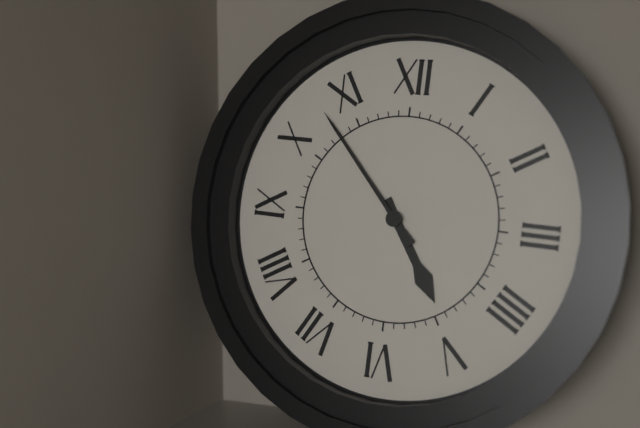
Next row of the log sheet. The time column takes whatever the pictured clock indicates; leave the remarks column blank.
4:53
